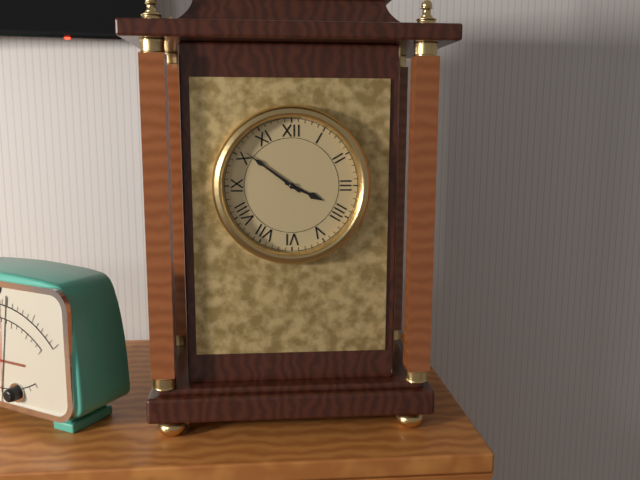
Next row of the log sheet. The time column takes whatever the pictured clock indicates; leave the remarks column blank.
3:51
